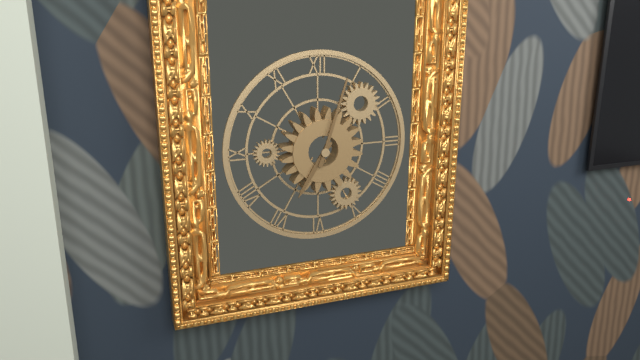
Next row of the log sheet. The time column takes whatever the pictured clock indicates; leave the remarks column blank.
7:03
